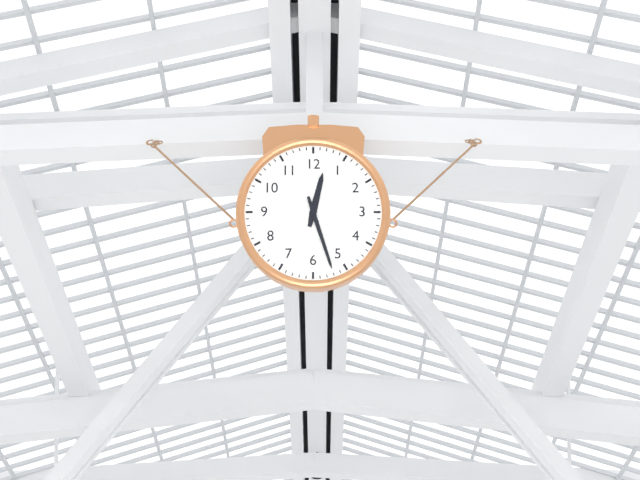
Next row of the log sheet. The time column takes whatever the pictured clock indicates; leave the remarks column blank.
12:27
